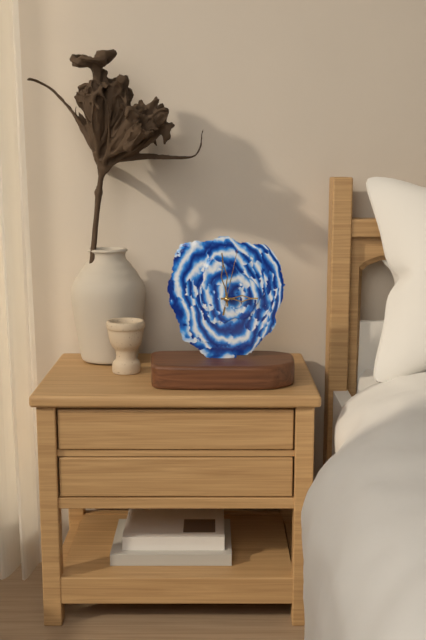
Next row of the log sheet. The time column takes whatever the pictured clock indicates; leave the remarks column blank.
2:59:02
